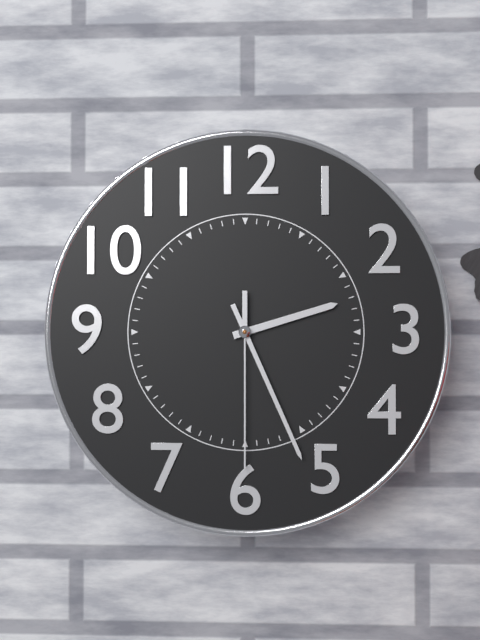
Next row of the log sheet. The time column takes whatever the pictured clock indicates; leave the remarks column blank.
2:26:30
